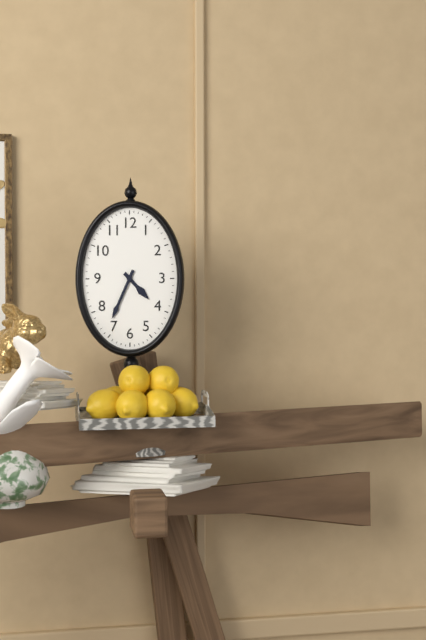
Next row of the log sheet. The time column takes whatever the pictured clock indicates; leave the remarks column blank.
4:34
